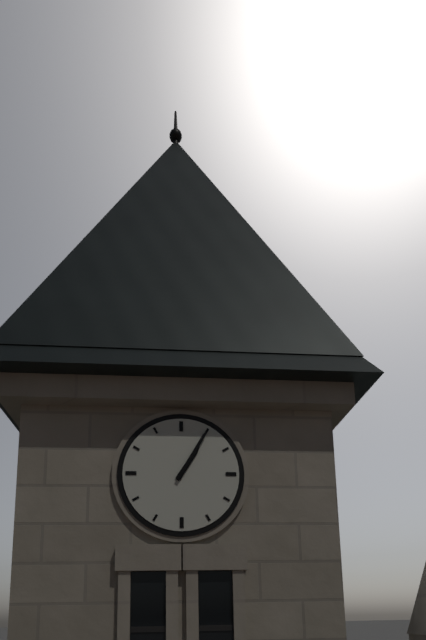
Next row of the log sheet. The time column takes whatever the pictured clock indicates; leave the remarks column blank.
1:05
